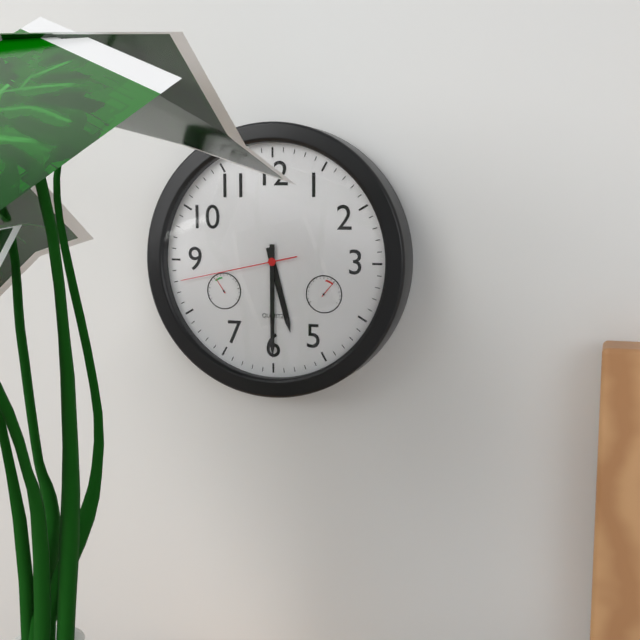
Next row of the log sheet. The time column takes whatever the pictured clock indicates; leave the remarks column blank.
5:30:43
